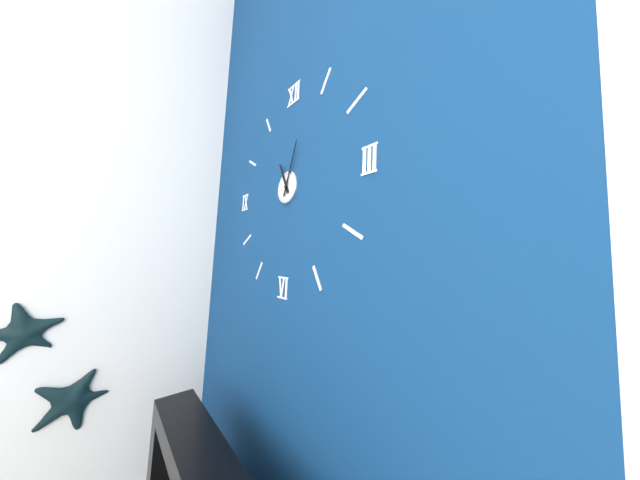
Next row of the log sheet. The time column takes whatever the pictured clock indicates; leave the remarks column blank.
11:03
